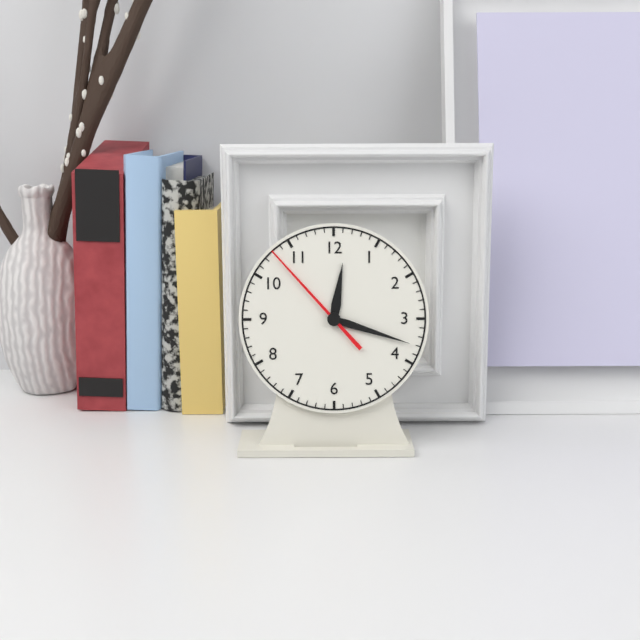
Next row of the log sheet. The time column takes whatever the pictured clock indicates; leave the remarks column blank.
12:18:53
